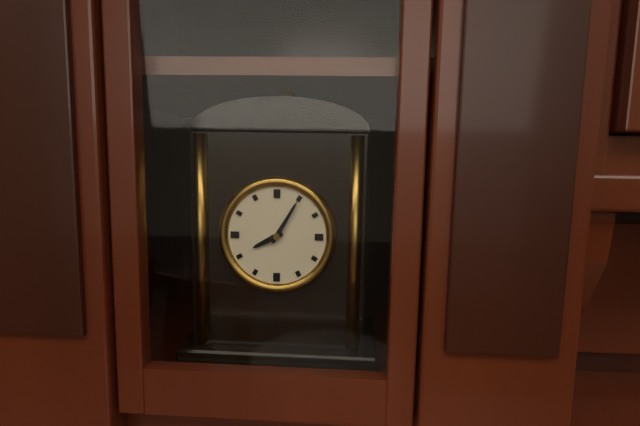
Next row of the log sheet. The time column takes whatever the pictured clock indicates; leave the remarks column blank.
8:05
